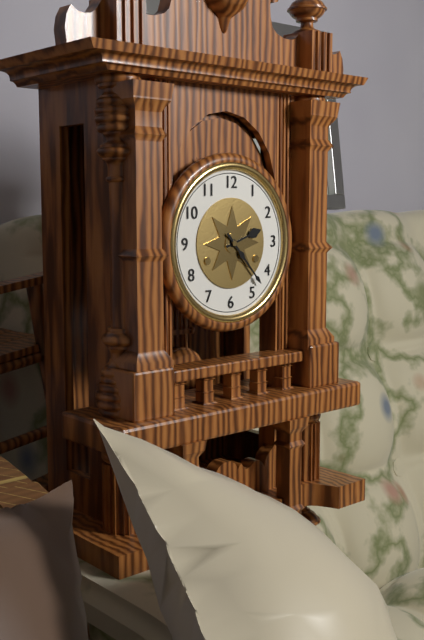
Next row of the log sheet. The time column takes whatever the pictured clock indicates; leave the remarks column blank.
2:23
